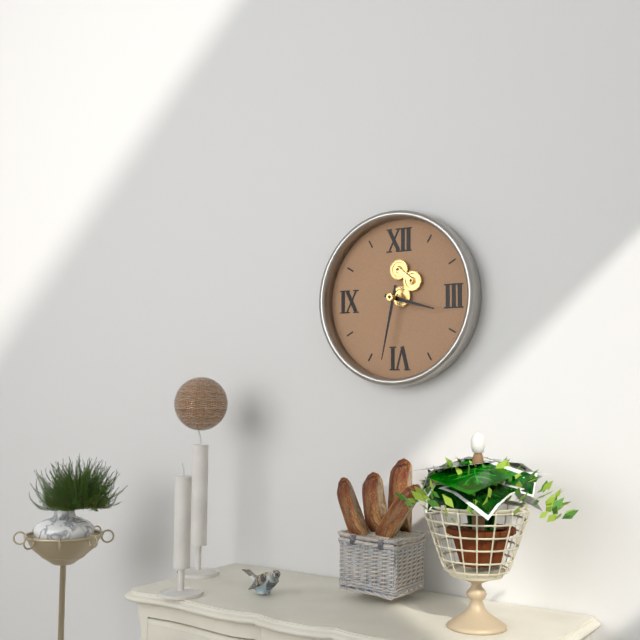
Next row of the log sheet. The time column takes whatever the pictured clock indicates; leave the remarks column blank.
3:32
